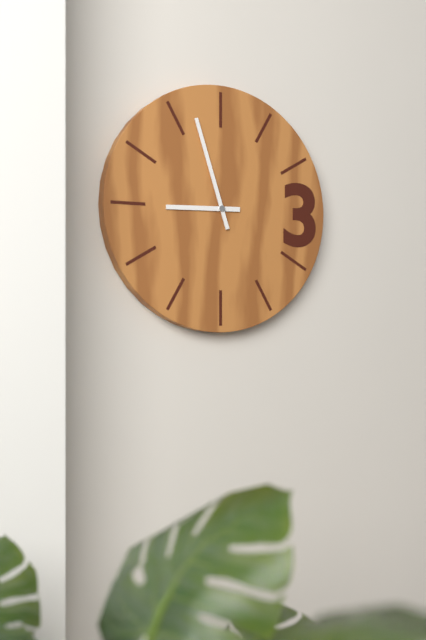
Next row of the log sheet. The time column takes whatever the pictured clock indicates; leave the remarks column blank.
8:57
